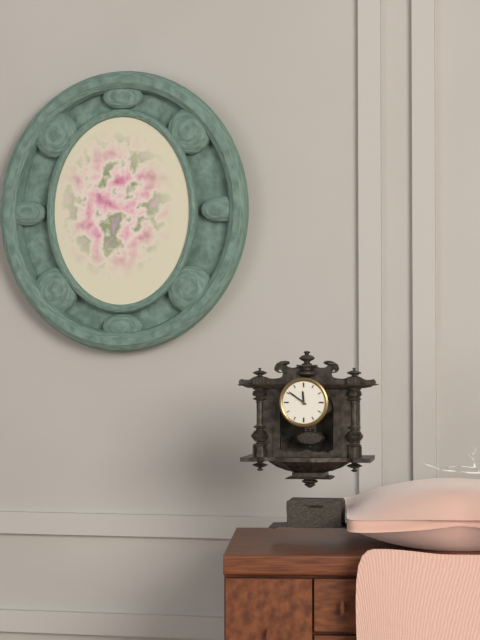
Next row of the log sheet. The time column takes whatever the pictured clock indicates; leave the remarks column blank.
11:51
